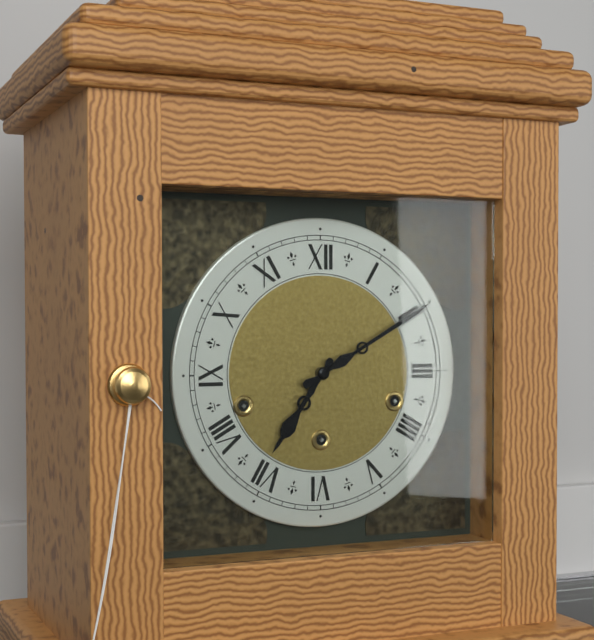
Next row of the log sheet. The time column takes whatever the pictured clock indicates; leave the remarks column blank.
7:10
